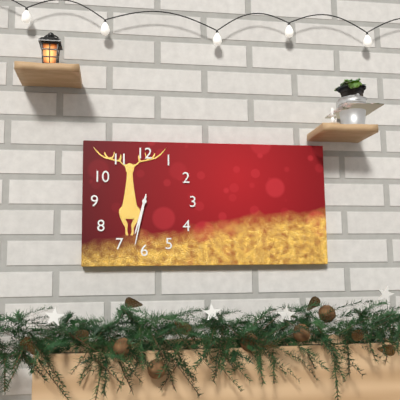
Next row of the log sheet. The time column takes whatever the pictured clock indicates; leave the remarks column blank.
6:32
